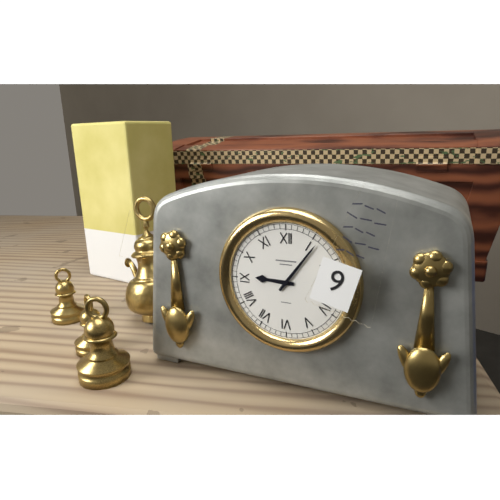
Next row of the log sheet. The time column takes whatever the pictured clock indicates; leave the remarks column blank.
9:06
